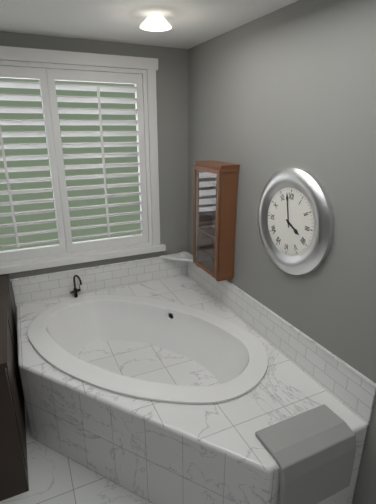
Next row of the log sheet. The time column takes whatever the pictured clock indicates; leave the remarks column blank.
3:58
